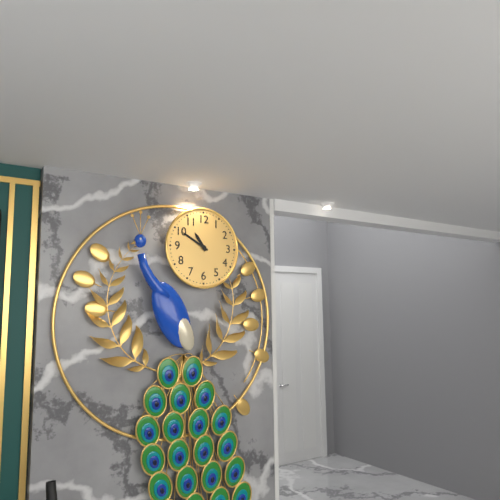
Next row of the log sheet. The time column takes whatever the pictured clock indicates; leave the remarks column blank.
10:50
